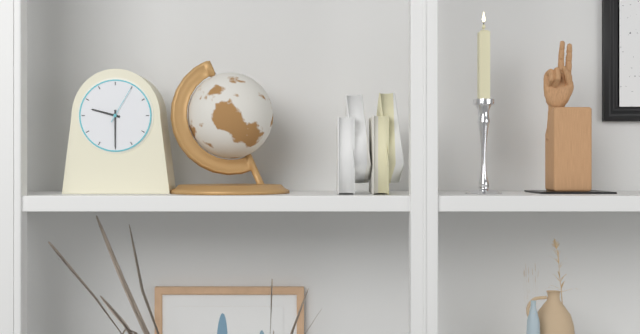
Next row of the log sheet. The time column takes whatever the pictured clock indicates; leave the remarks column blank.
9:30
